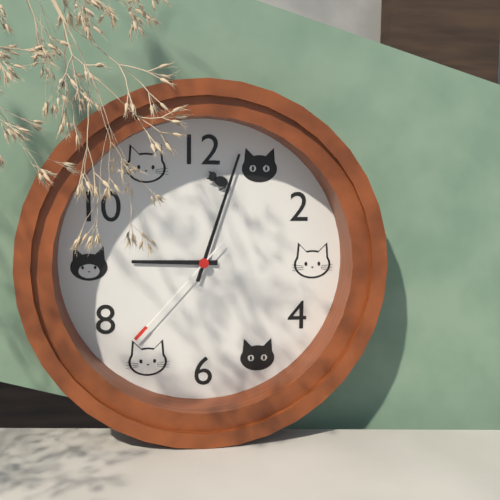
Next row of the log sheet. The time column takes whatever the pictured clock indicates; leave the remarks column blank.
9:03:37
